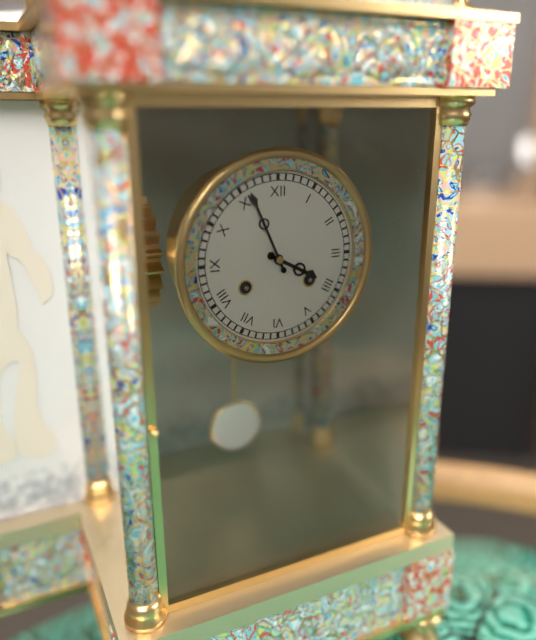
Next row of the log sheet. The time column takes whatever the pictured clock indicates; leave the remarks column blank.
3:56
